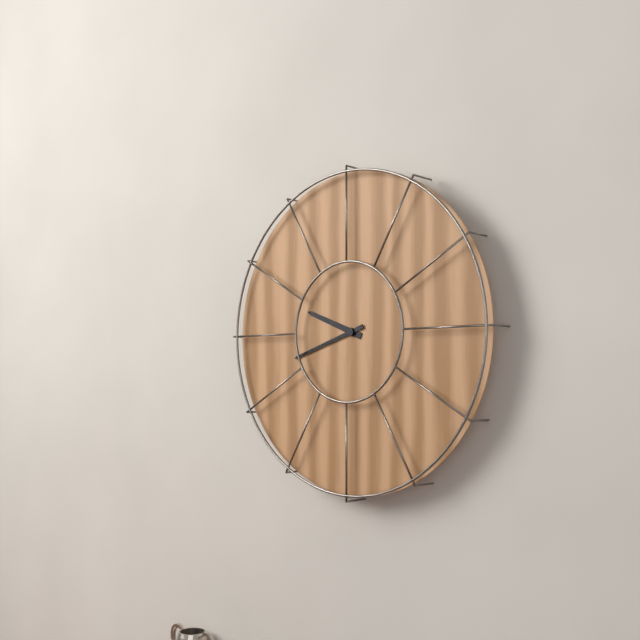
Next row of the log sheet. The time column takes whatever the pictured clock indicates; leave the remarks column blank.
9:42
